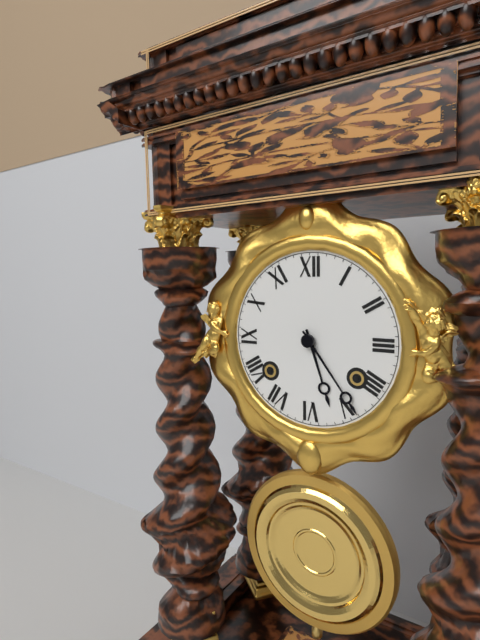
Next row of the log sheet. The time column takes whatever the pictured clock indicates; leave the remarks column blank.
5:24
